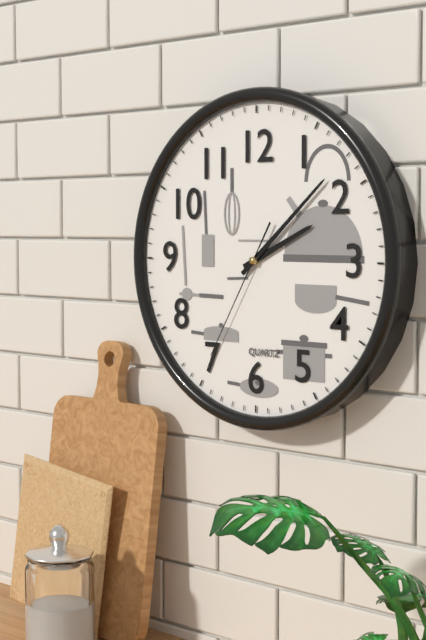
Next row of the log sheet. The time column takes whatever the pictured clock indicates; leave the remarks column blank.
2:08:35
